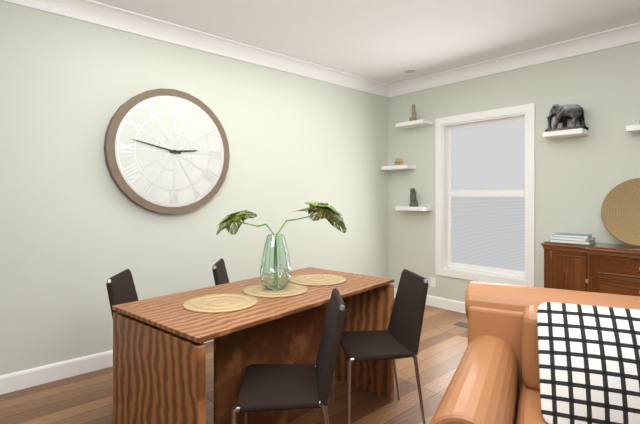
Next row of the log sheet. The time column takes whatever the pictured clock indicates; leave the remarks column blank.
2:47
